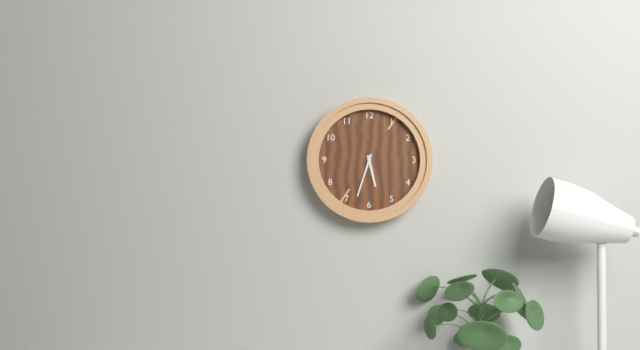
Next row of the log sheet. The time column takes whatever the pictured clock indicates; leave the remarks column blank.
5:33
